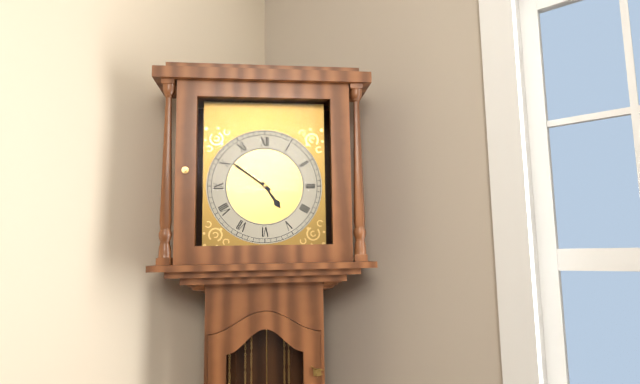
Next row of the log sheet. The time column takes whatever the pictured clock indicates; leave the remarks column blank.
4:51
